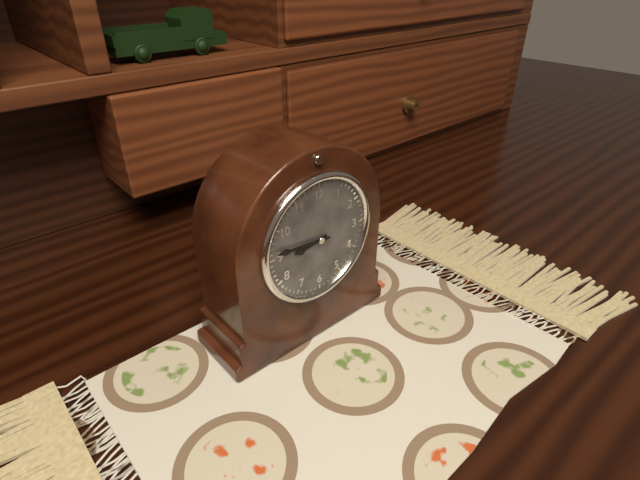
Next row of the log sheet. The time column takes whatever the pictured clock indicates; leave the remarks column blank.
8:46
